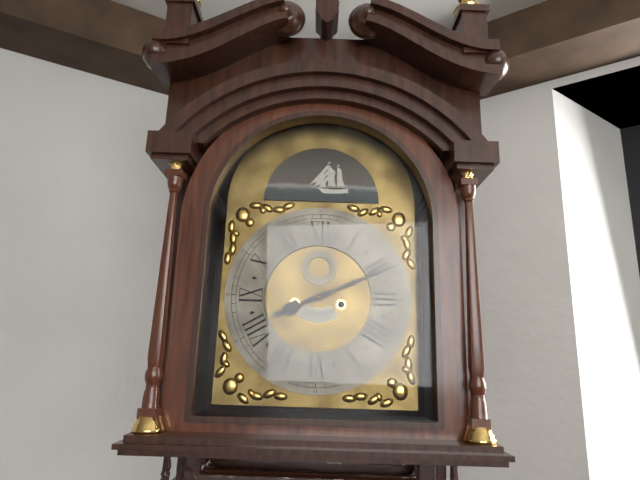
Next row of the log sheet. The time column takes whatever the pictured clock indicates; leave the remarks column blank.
8:11
